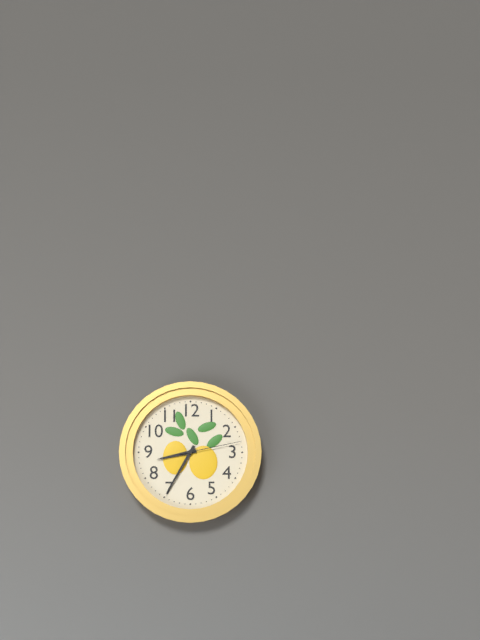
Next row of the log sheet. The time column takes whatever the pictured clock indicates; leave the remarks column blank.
8:35:13
